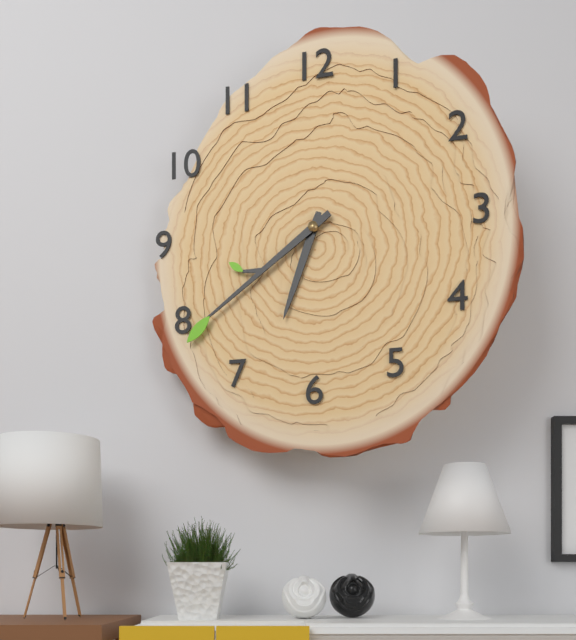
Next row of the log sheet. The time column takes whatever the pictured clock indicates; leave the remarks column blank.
6:39
